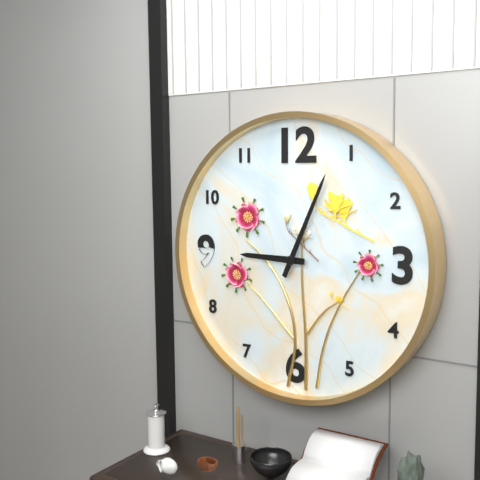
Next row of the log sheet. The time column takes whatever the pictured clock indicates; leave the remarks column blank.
9:04
